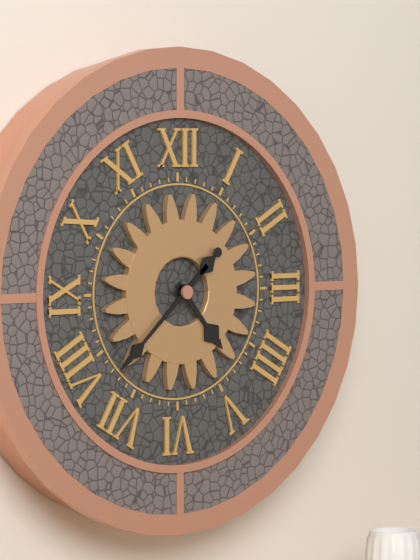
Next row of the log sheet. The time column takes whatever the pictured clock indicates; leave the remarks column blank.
4:38
